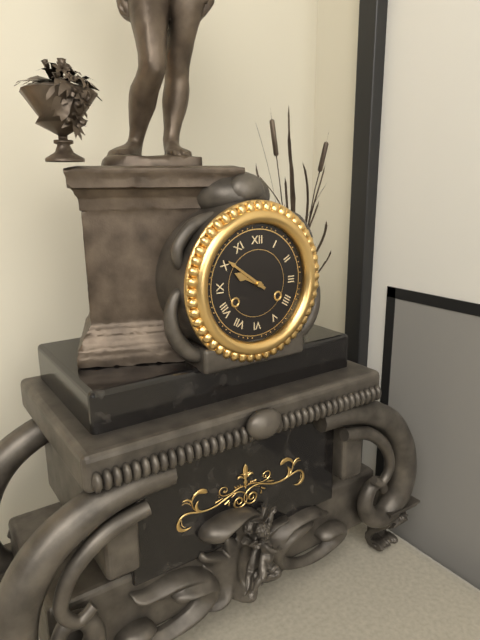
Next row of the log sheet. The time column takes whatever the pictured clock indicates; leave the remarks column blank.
9:51
